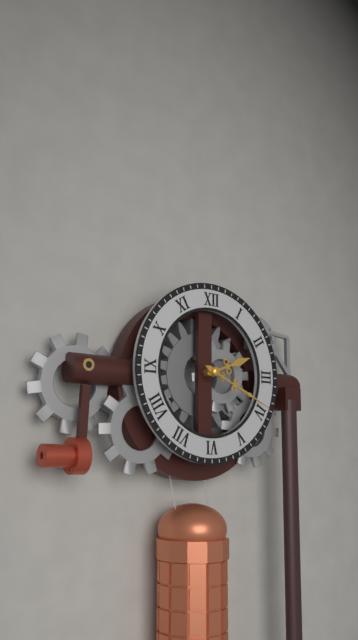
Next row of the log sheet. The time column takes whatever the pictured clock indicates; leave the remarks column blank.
2:19
